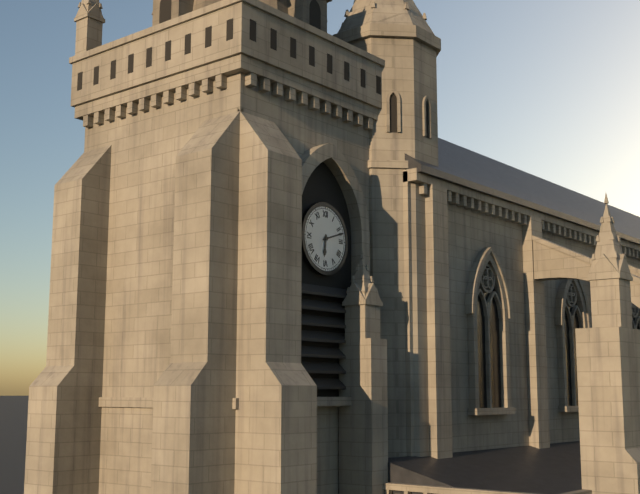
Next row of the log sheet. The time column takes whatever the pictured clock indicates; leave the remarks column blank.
6:12
